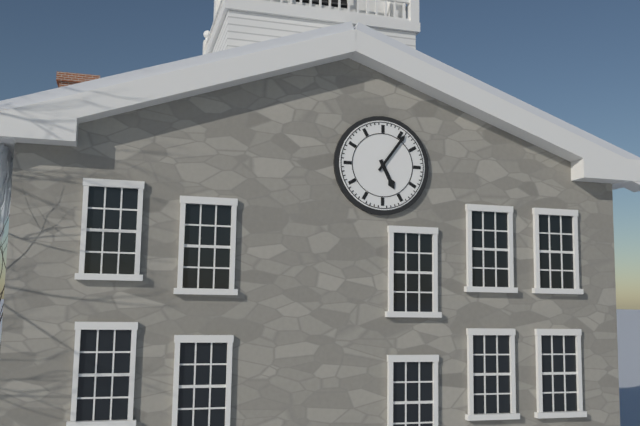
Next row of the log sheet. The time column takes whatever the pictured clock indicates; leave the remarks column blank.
5:06
